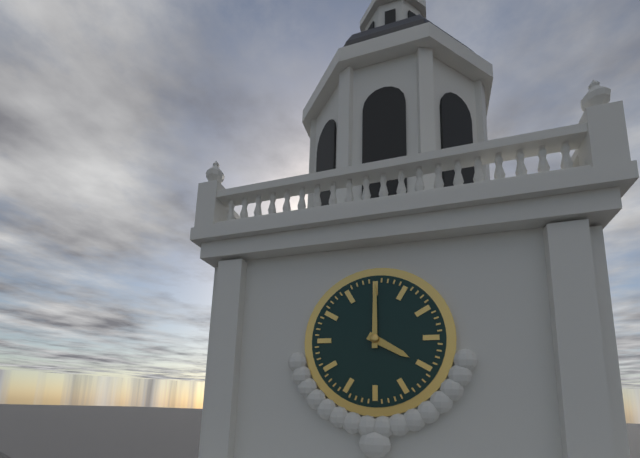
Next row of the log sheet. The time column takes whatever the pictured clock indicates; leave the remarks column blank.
4:00
